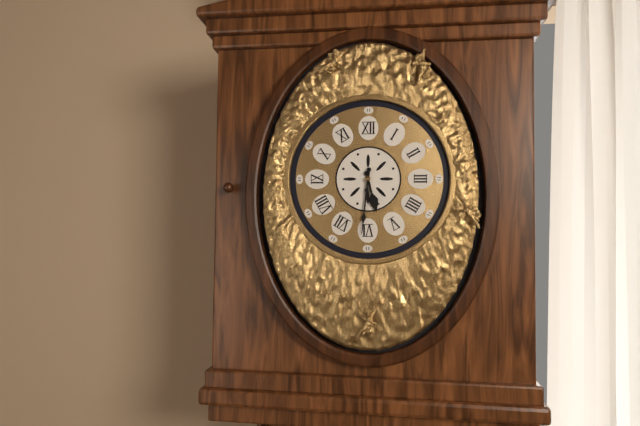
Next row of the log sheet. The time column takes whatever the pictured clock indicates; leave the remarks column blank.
5:31
